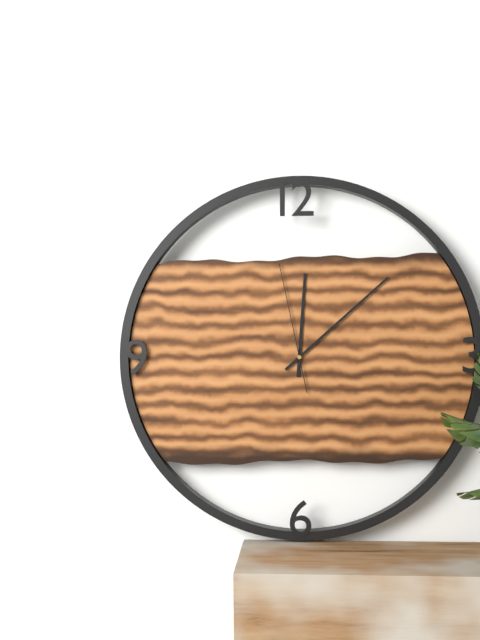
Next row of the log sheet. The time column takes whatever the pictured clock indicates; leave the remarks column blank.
12:08:58
